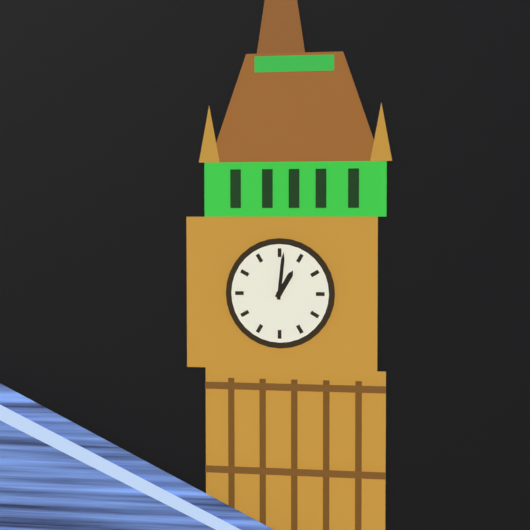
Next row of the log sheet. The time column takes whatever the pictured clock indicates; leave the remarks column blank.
1:01
